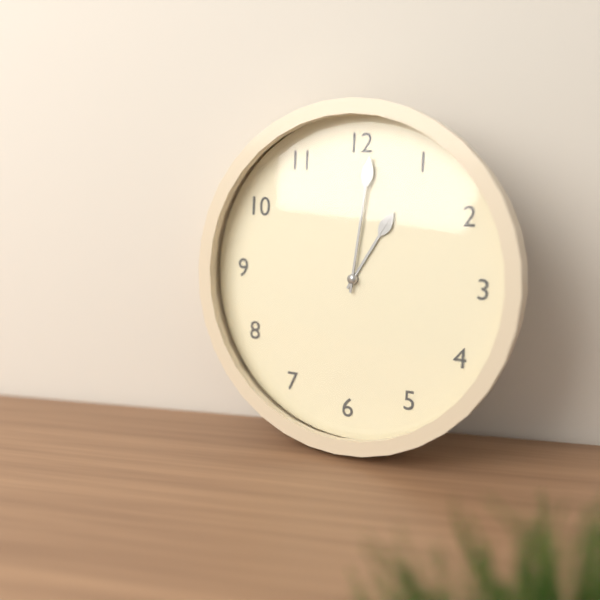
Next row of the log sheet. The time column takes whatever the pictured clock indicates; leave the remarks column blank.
1:01
